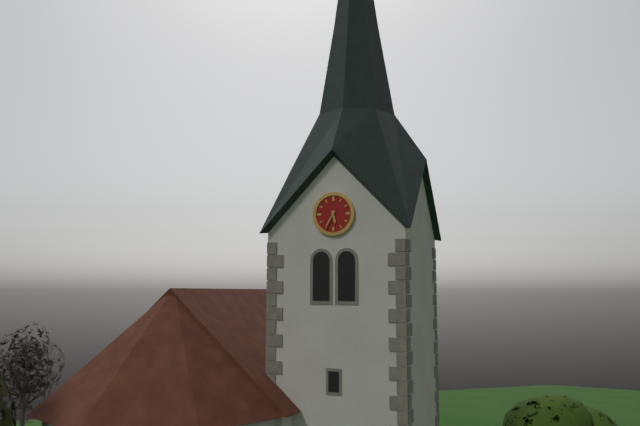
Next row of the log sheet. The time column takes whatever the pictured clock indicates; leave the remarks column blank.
5:35
